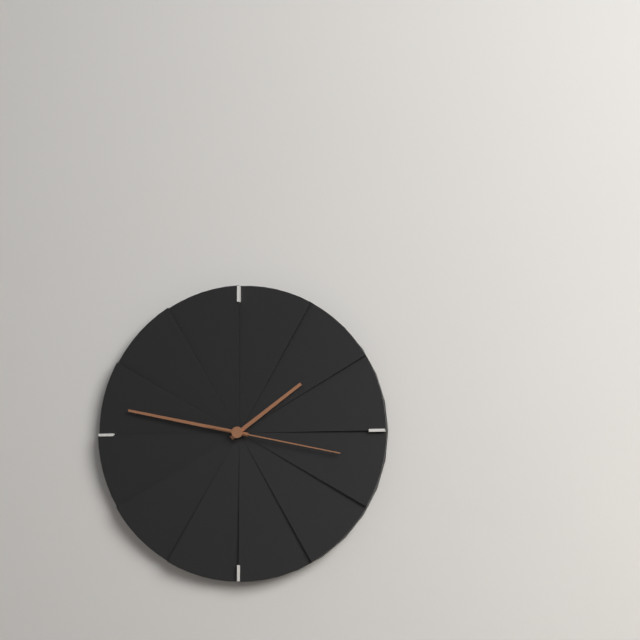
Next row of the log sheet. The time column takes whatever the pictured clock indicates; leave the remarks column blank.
1:47:17
